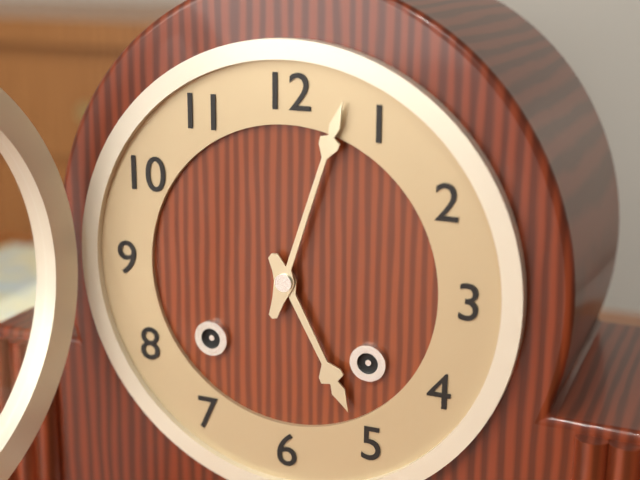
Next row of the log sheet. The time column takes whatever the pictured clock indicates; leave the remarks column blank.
5:03
